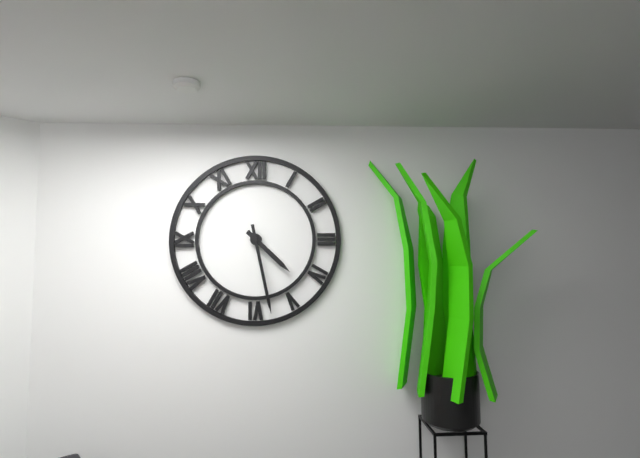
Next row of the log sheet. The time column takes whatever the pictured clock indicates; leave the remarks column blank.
4:28
